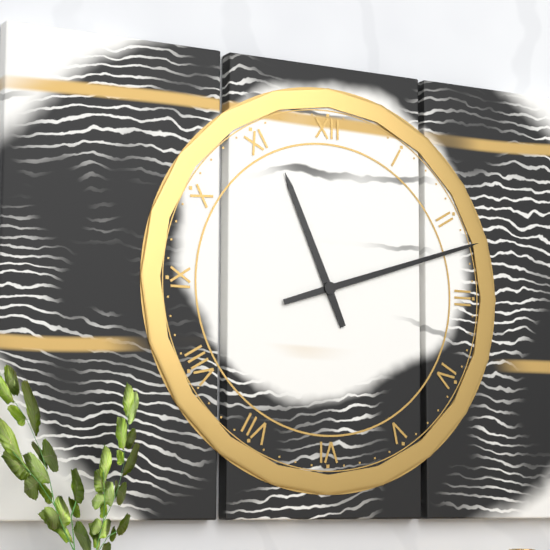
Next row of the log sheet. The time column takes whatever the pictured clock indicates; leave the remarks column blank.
11:12
